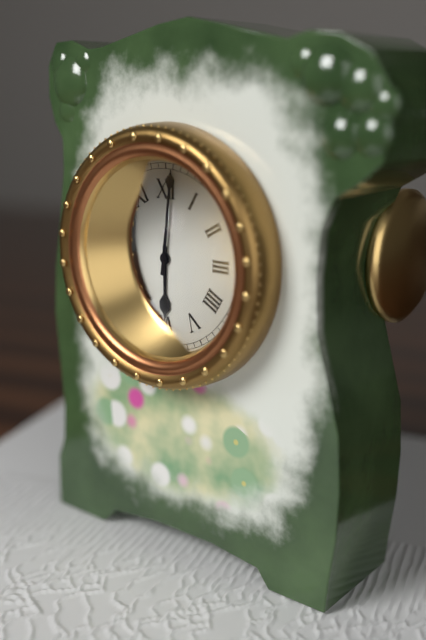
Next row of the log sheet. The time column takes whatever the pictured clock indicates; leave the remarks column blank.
6:01
